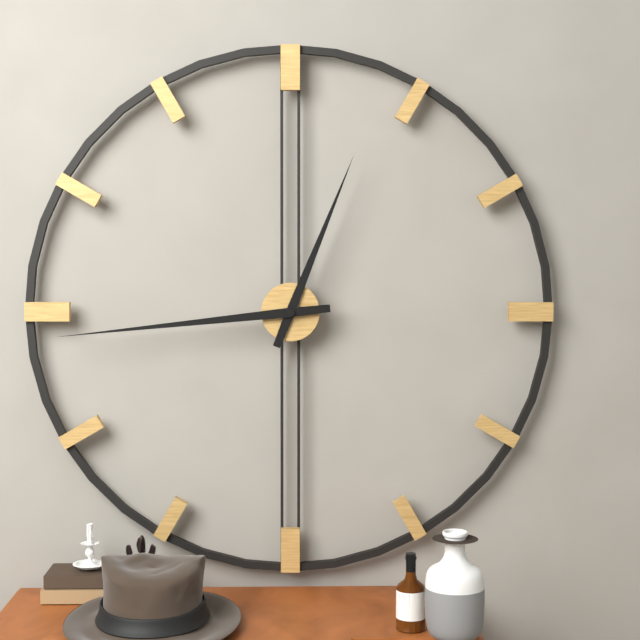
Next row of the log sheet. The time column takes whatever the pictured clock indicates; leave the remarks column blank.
12:44
